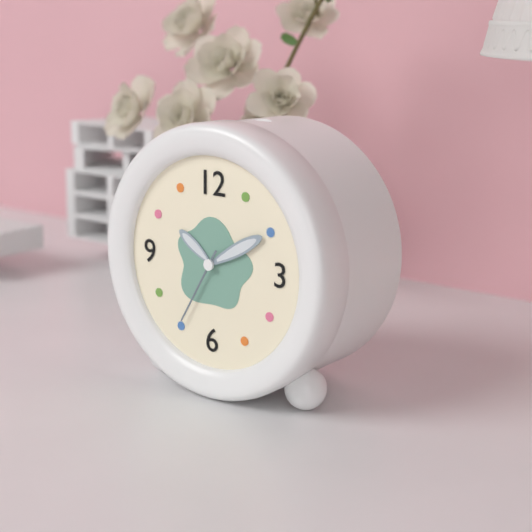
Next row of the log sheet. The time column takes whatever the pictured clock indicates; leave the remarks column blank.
10:10:35
